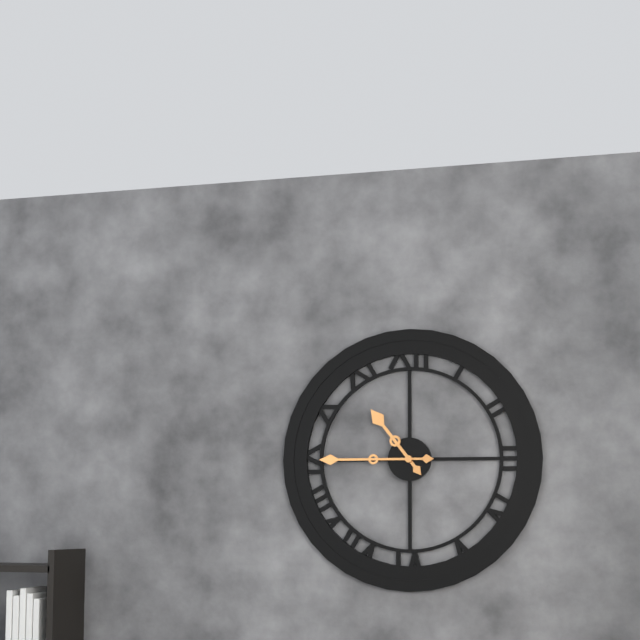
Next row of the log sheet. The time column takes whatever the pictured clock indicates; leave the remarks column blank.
10:45
